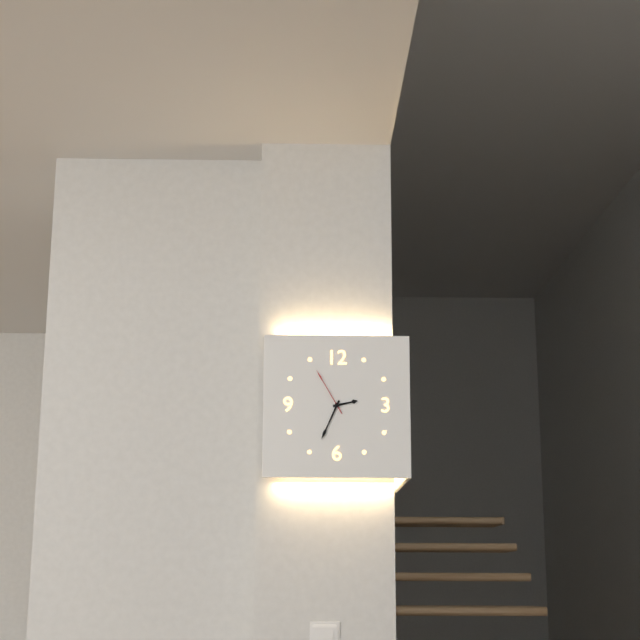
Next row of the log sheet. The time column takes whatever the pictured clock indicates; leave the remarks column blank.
2:34:55
